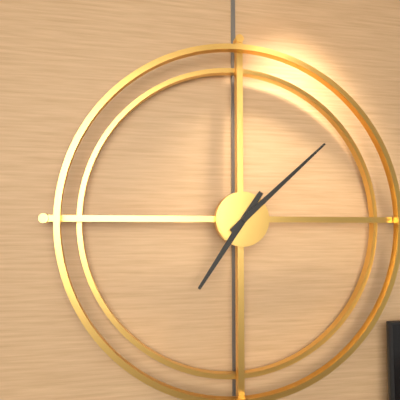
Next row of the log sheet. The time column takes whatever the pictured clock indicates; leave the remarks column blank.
7:08
